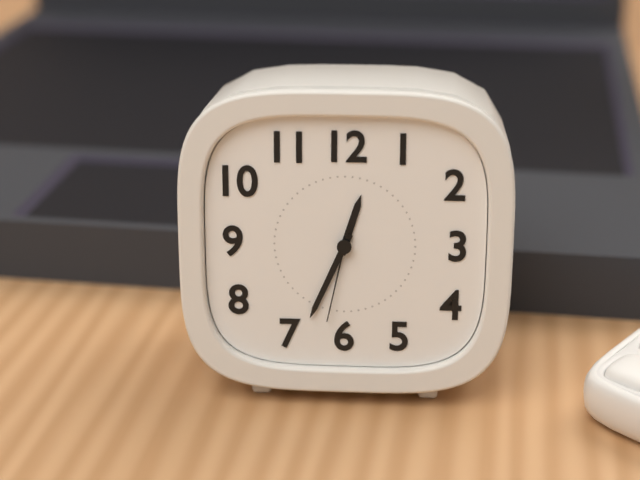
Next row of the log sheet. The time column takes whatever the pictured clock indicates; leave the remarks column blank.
12:34:32
